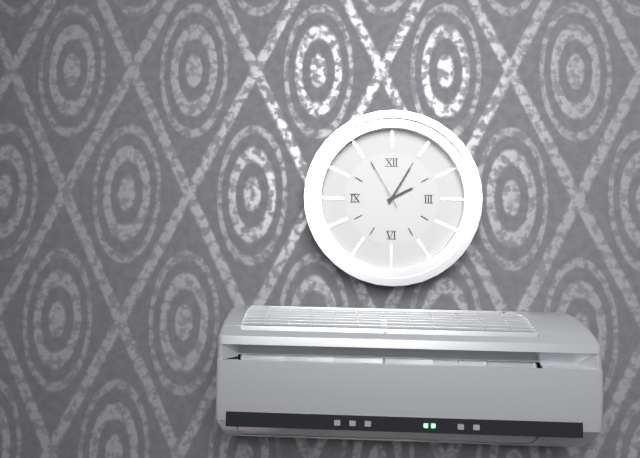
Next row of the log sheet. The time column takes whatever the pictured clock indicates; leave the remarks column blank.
2:05:55
